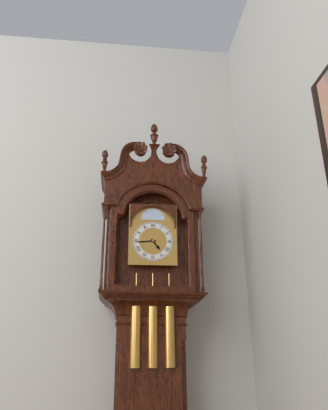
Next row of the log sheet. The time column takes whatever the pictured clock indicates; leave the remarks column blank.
4:44
